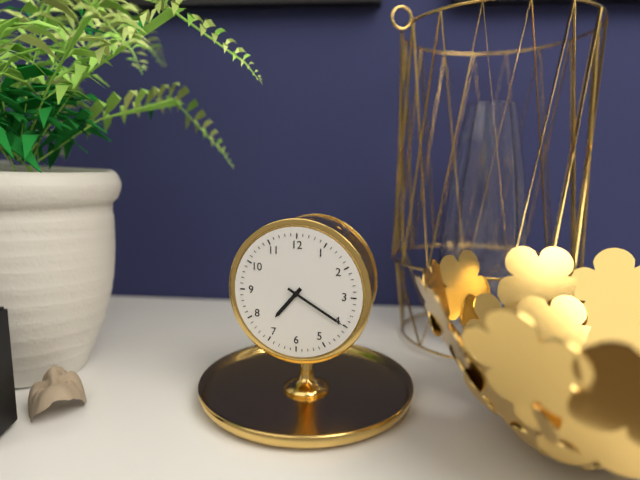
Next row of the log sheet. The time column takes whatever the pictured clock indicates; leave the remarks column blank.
7:20
